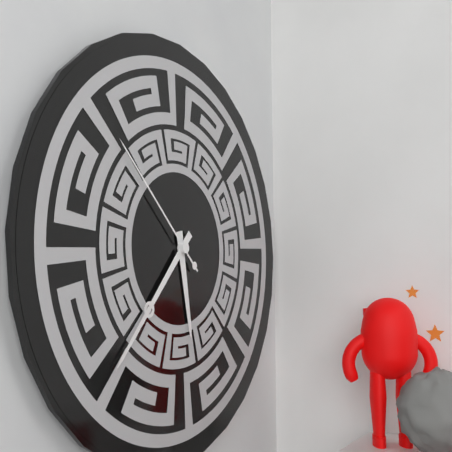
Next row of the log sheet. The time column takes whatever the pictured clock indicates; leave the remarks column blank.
5:37:52
